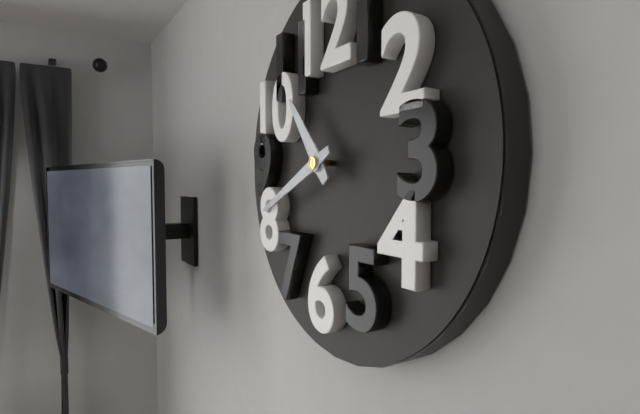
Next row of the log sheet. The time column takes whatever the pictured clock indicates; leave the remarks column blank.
10:41
